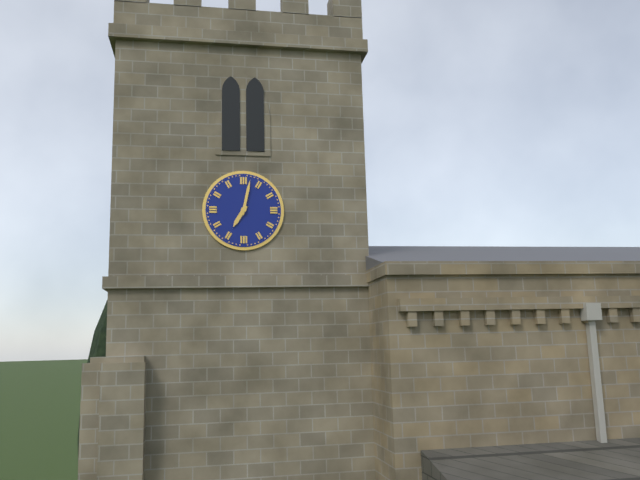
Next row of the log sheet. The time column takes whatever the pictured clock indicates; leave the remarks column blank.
7:02
